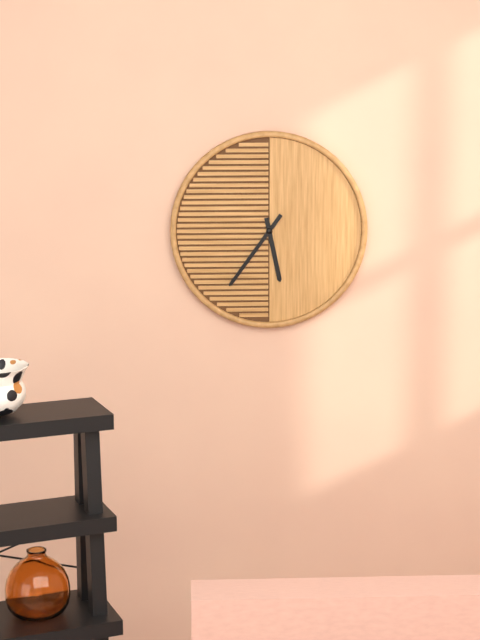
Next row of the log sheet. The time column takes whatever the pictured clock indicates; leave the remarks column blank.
5:36
